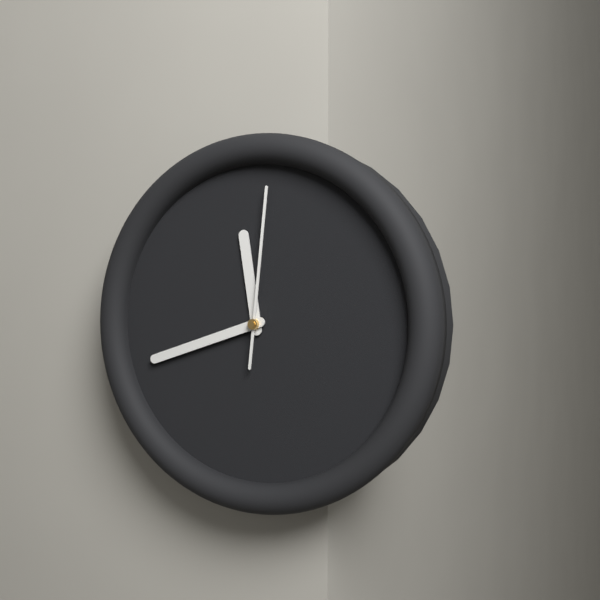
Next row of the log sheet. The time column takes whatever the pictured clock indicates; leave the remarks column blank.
11:42:01
